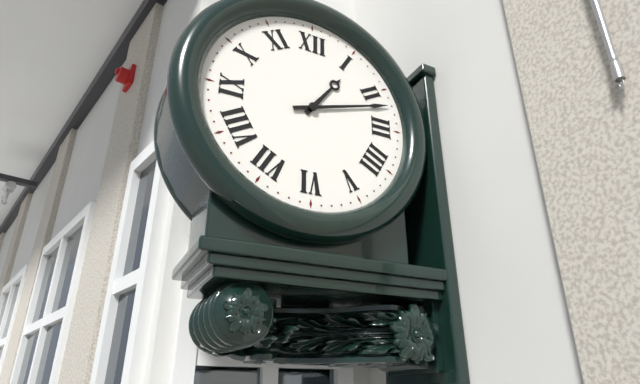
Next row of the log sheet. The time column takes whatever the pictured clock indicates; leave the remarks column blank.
1:12
